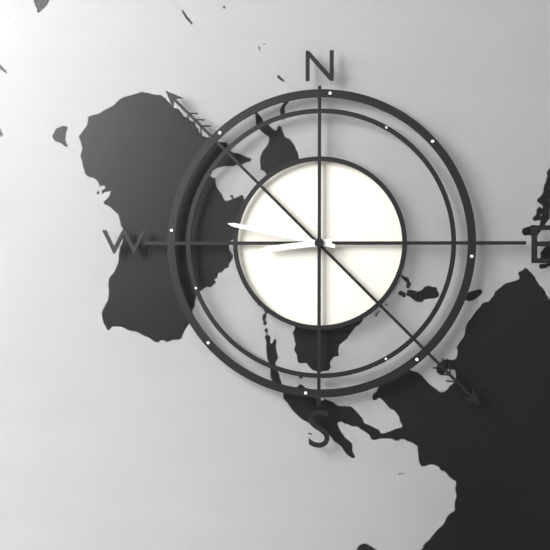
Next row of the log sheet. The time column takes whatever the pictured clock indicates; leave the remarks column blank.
8:47
